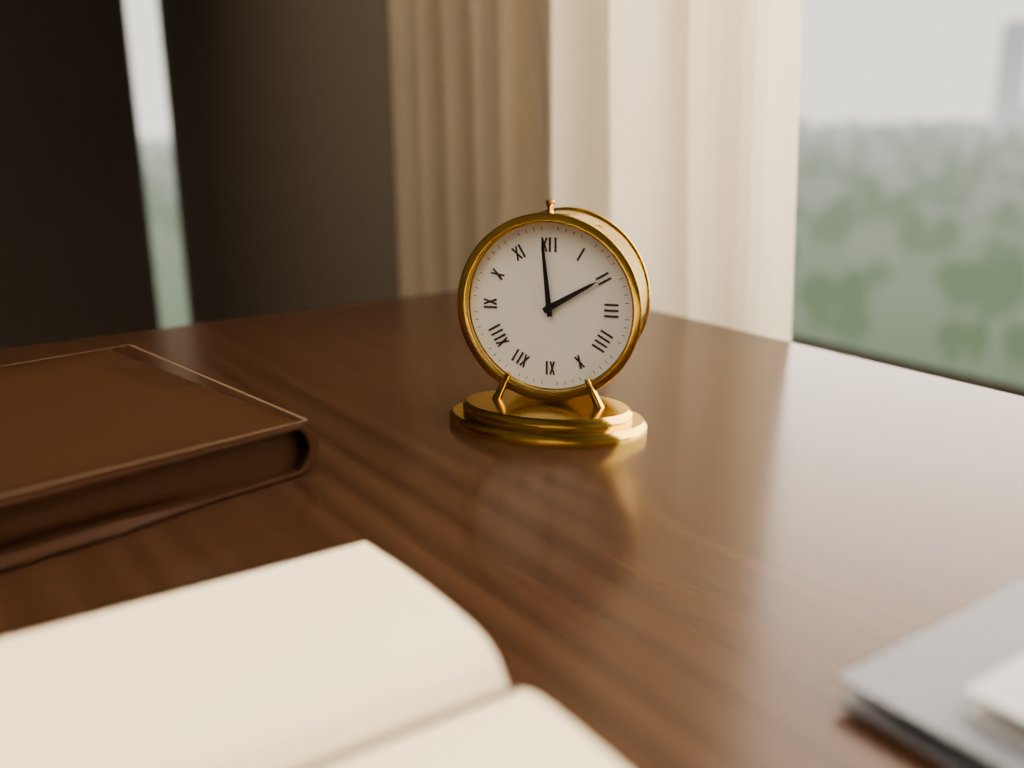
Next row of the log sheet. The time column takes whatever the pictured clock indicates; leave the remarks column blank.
1:59
